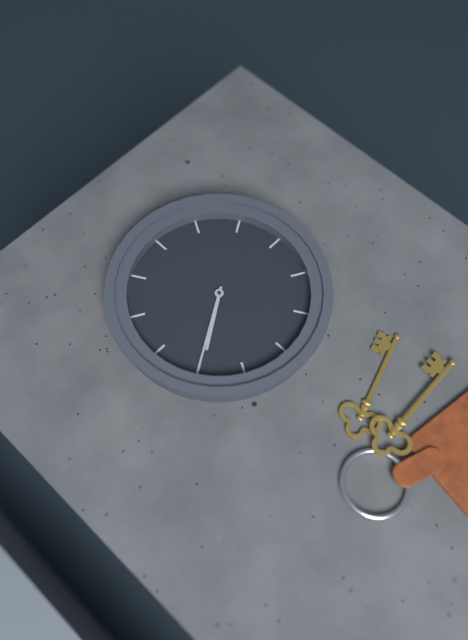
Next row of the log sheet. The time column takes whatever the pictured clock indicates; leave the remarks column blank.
10:55
